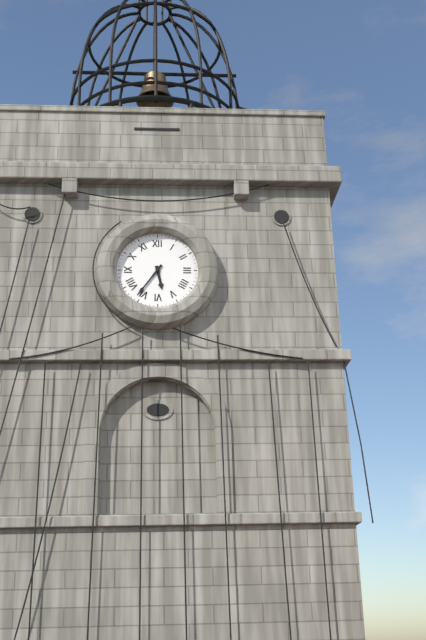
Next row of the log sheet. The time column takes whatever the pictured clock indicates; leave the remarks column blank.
5:36
